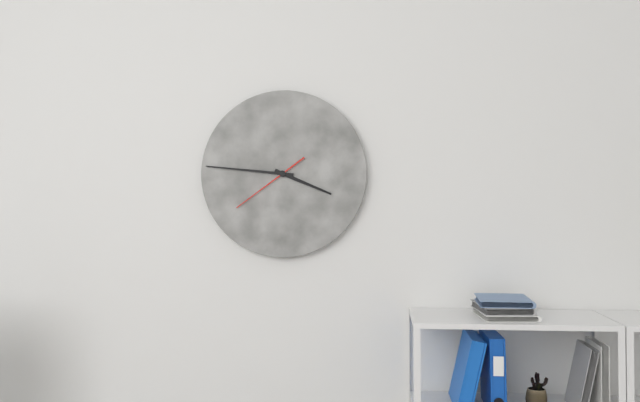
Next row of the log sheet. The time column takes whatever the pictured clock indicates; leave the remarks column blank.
3:46:39
